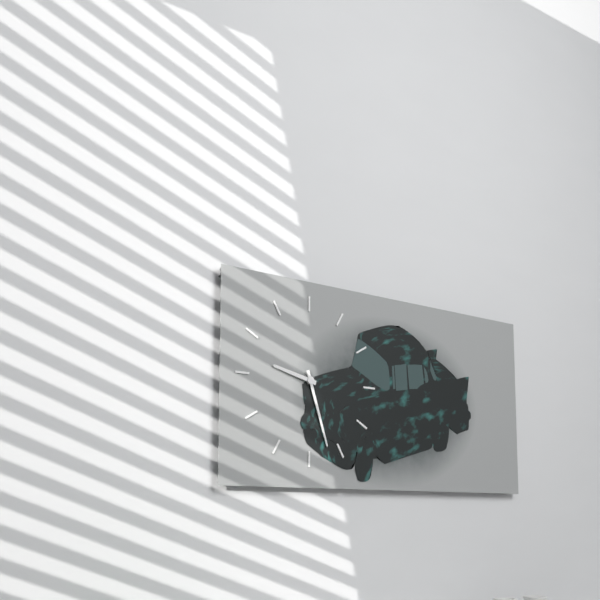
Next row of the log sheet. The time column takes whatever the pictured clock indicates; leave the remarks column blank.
9:27
